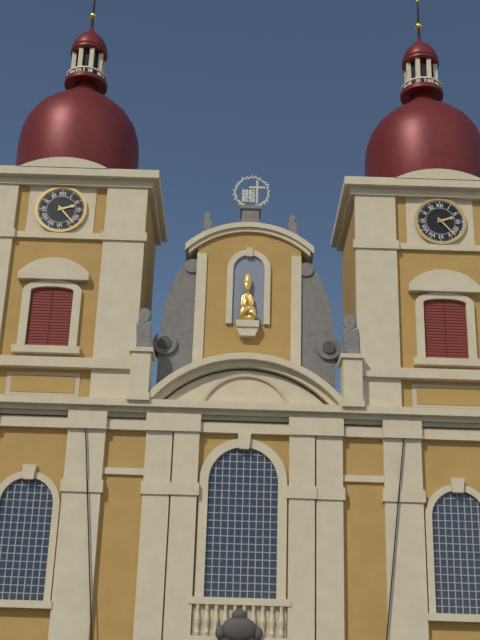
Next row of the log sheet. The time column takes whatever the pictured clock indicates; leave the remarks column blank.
2:23
